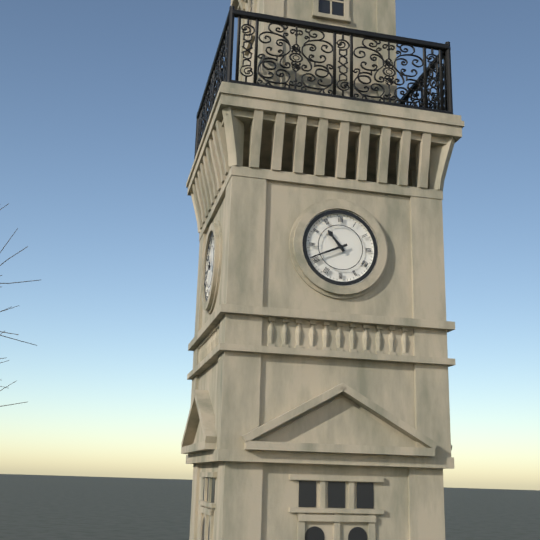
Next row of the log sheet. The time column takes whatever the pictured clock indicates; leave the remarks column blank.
10:41
